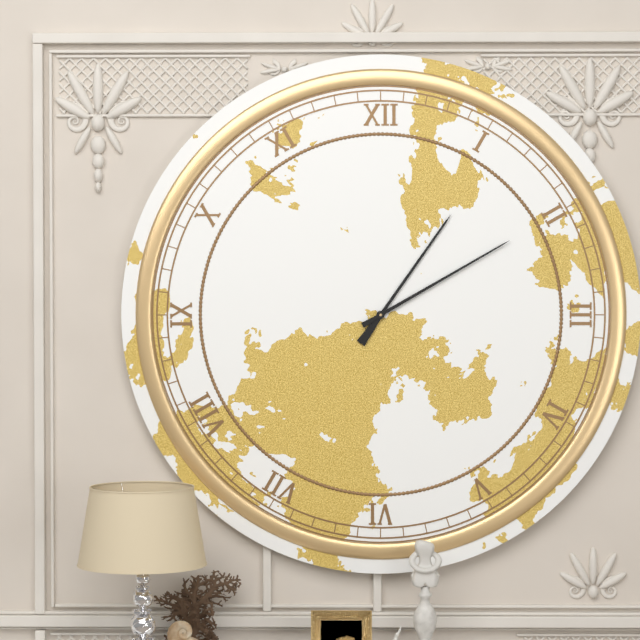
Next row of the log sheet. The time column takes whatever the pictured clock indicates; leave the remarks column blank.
1:10
